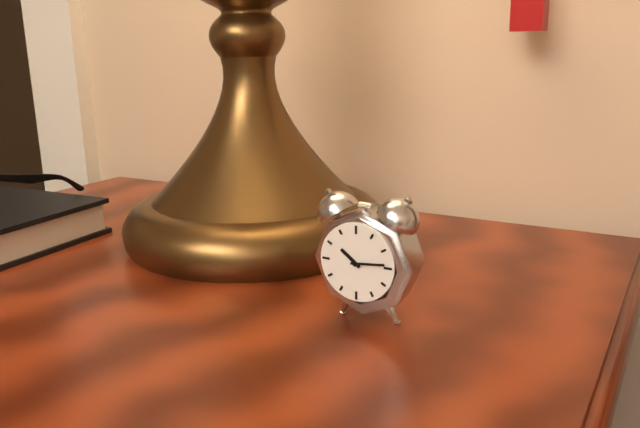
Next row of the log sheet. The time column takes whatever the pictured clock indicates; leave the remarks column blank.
10:14
